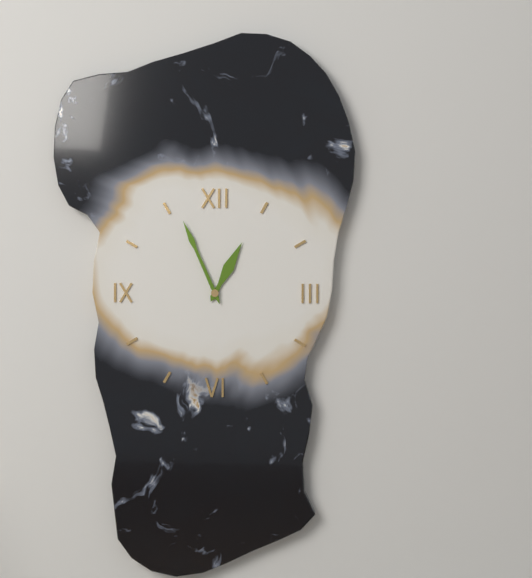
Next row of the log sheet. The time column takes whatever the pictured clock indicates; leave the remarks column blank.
12:56
